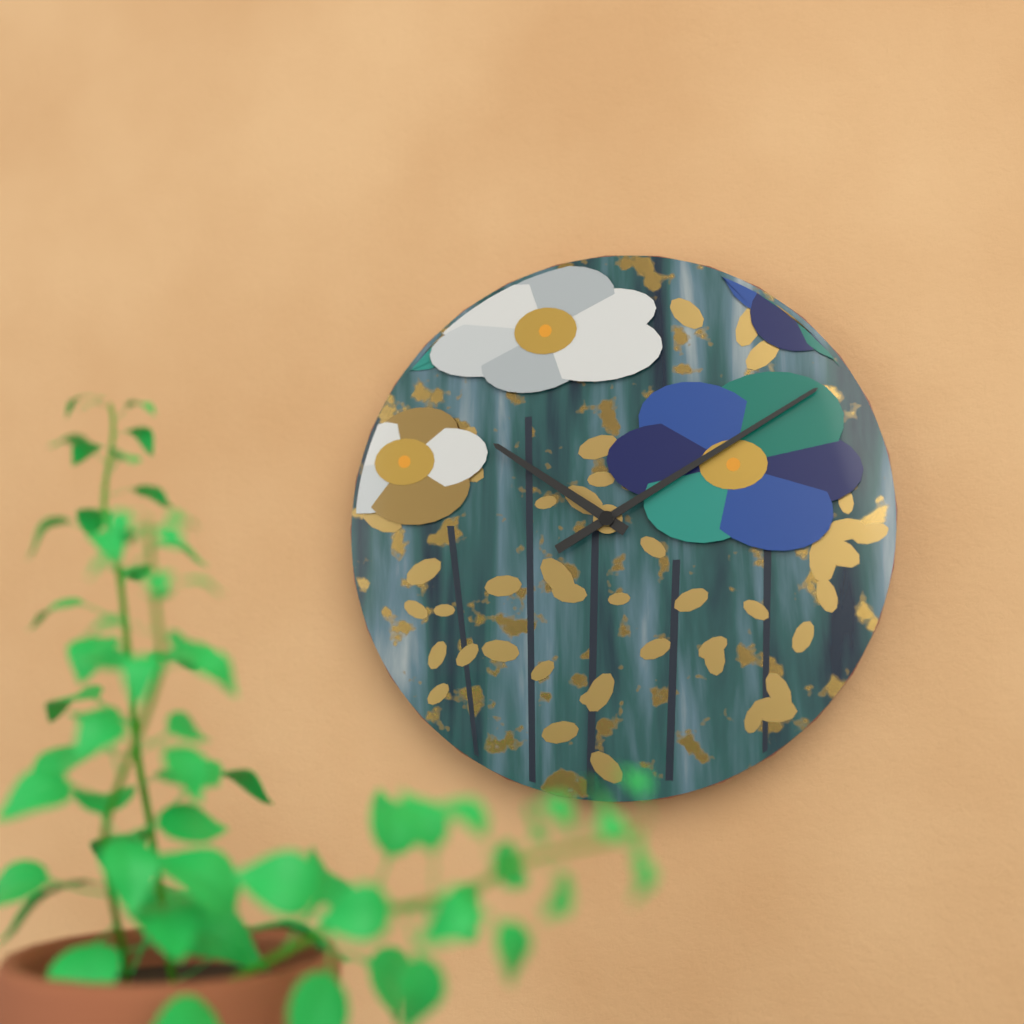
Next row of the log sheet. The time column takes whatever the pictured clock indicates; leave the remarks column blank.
10:10
